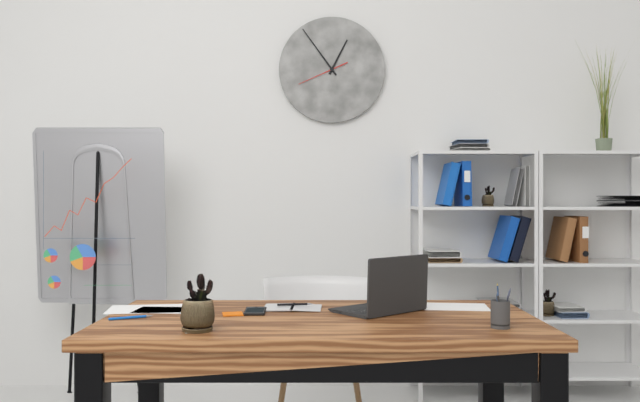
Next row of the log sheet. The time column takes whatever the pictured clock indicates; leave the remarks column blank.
12:54
